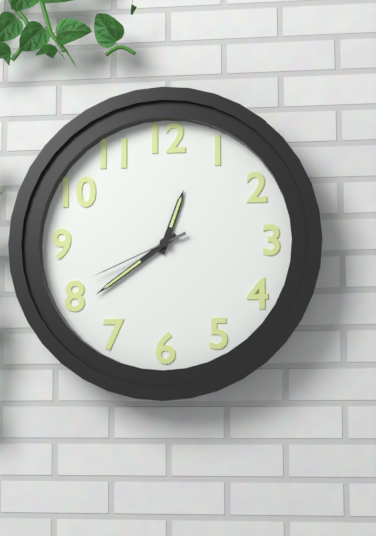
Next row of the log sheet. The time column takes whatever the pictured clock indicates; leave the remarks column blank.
12:39:41
